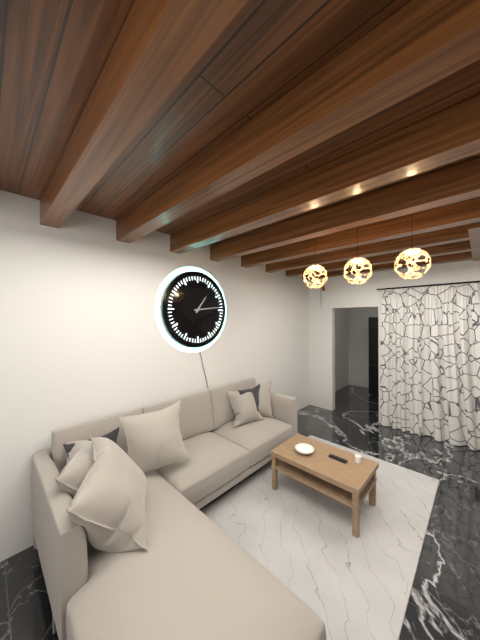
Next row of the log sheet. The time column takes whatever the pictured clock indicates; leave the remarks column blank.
1:14
